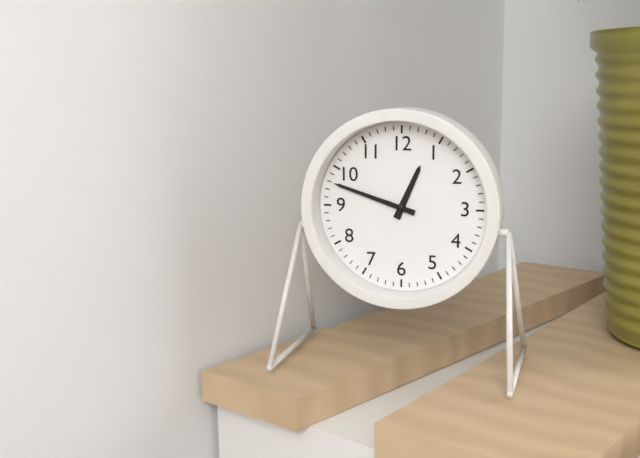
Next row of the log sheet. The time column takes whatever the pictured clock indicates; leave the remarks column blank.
12:48
